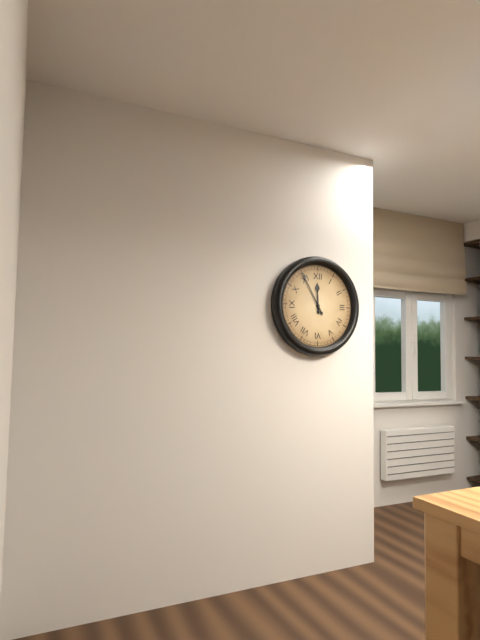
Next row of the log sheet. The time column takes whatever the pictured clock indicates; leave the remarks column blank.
11:55
